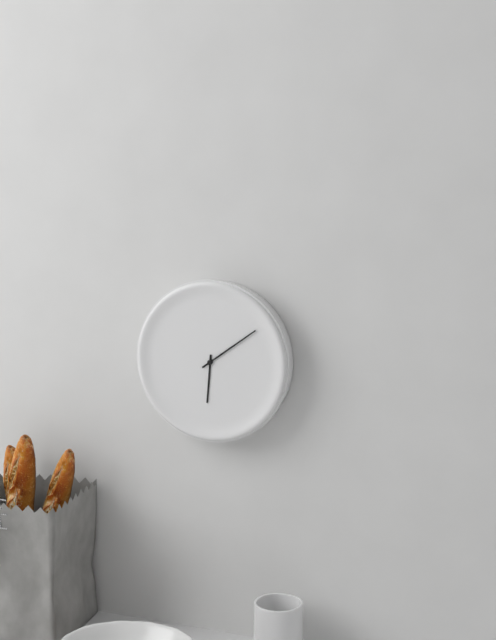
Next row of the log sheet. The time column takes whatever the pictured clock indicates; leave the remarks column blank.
6:09
